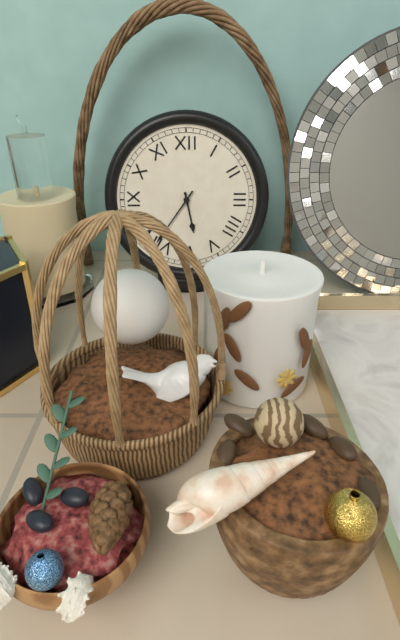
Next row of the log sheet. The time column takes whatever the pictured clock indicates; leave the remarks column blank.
5:36
